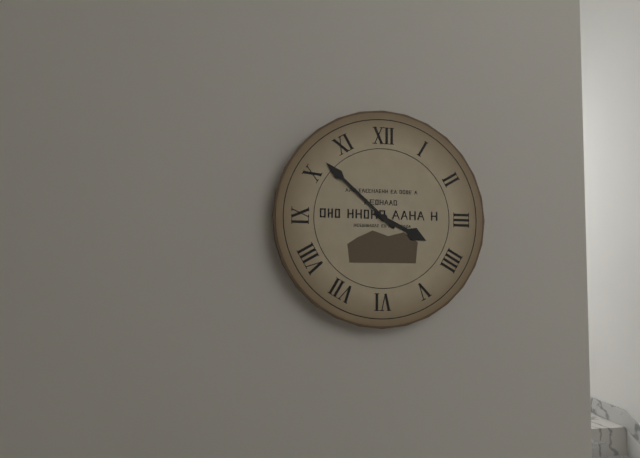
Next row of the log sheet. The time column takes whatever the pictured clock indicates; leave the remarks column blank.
3:52
